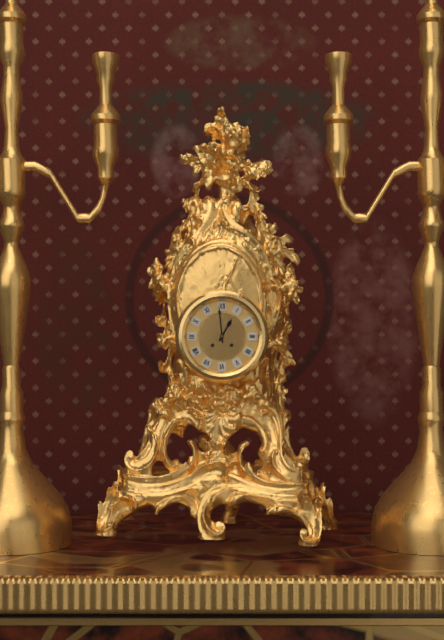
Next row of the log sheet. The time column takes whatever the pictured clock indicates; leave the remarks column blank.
12:59
